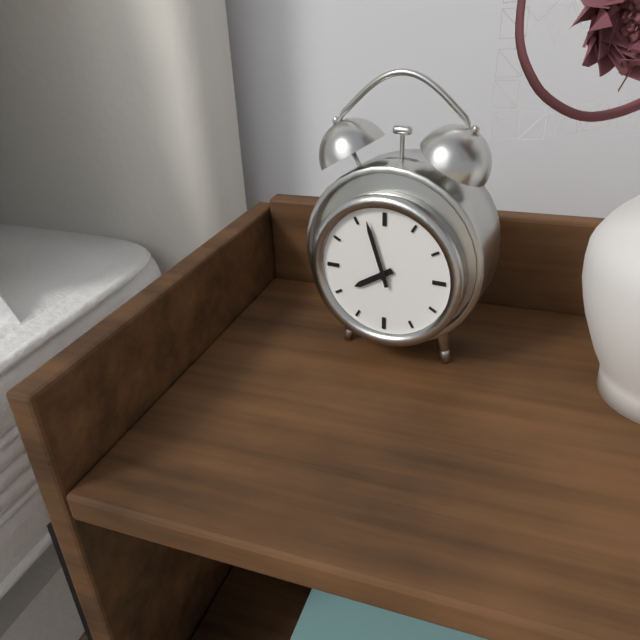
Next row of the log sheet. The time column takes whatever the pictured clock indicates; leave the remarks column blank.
7:57
